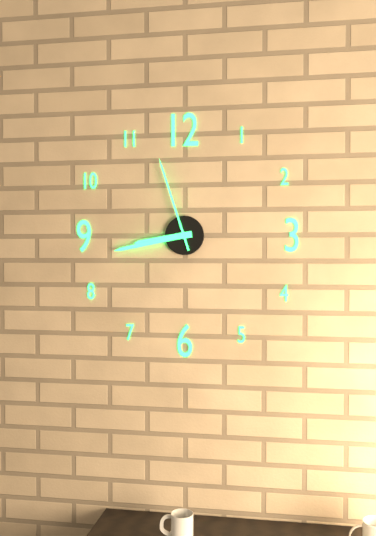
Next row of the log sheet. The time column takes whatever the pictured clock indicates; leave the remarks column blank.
8:43:57
